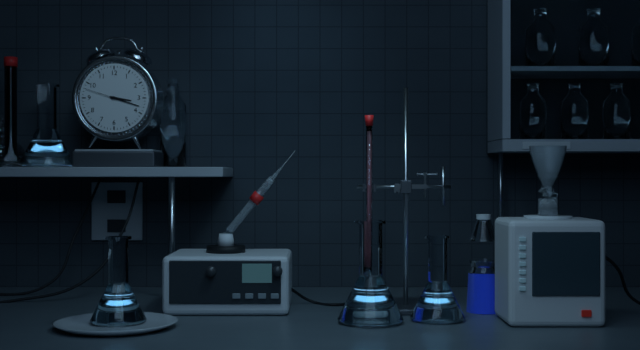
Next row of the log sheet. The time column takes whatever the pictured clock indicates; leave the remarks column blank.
3:18
